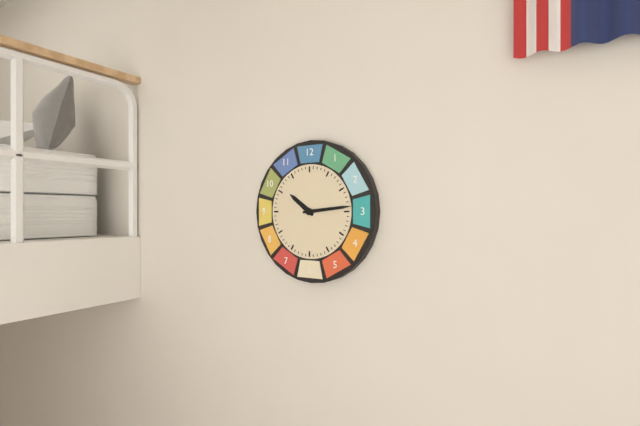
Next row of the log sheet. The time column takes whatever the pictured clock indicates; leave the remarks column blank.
10:14
